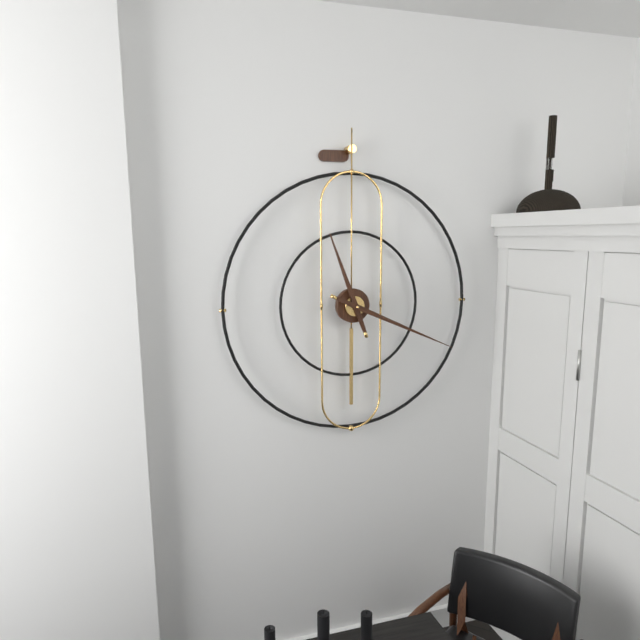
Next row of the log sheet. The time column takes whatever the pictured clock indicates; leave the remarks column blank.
11:19
